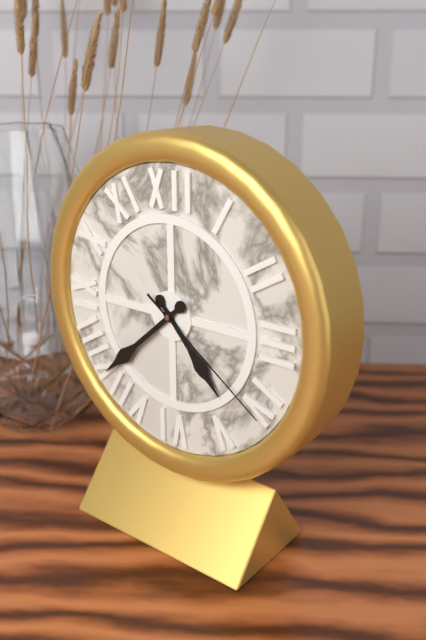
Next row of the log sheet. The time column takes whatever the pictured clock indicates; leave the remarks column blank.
4:38:21
